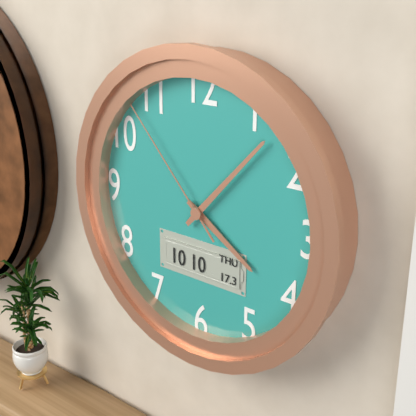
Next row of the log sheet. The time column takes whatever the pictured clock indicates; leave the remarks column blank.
4:07:53
